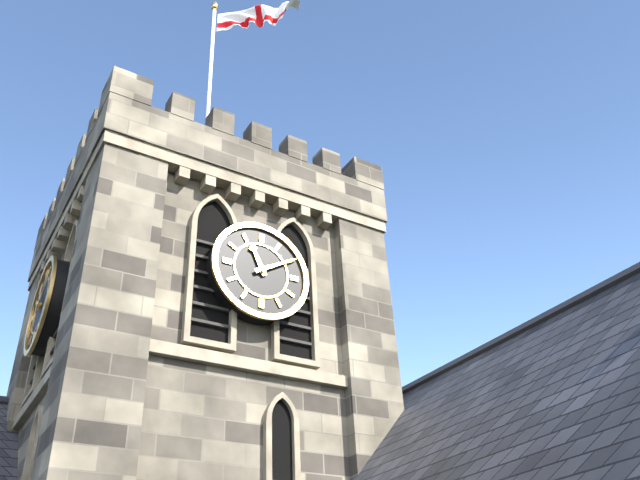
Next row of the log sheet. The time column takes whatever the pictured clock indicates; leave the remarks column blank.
11:10
